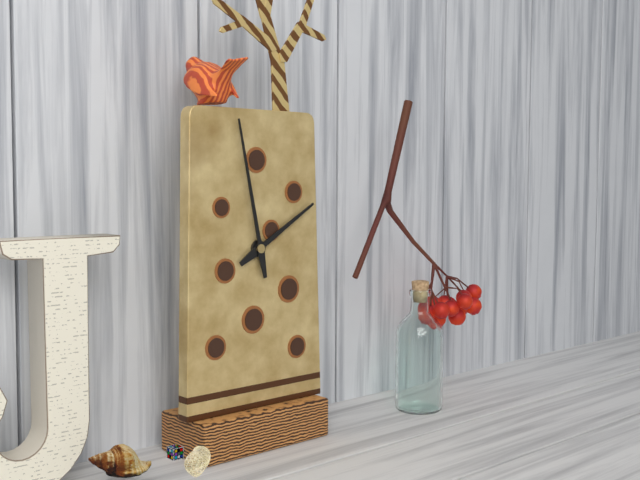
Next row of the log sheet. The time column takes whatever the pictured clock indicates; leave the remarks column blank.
1:58
